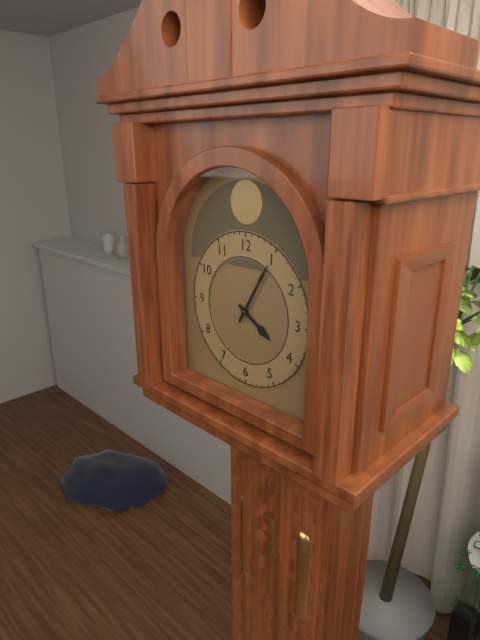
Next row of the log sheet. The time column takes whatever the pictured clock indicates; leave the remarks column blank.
4:05
